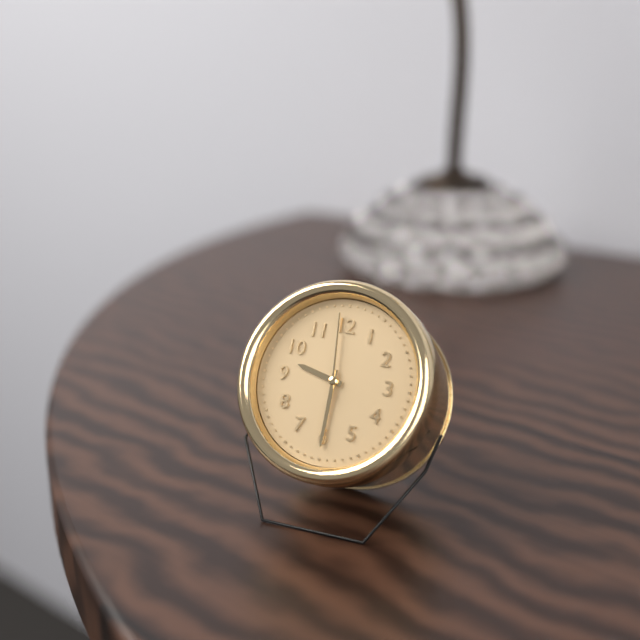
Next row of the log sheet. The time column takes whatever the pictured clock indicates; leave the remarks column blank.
9:30:59
